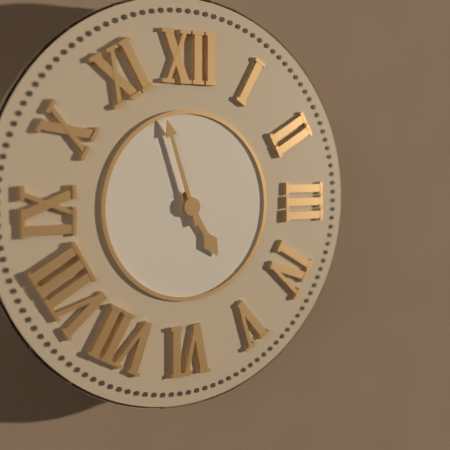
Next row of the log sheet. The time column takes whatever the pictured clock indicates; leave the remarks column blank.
4:57
